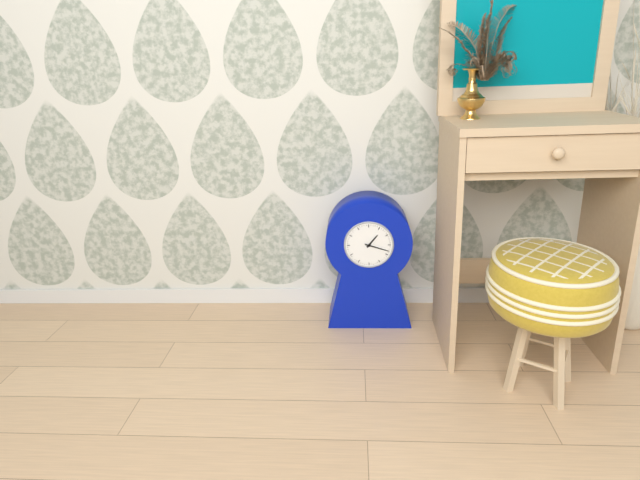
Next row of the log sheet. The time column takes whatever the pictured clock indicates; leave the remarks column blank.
1:18
